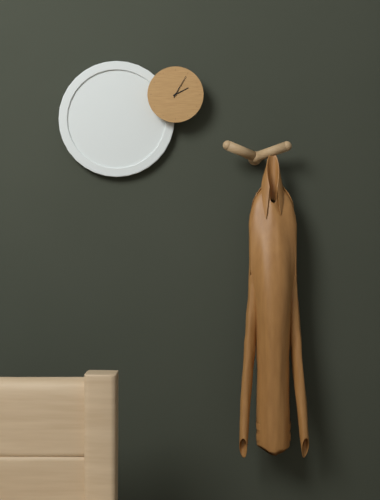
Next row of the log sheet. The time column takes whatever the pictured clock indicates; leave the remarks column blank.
2:05
